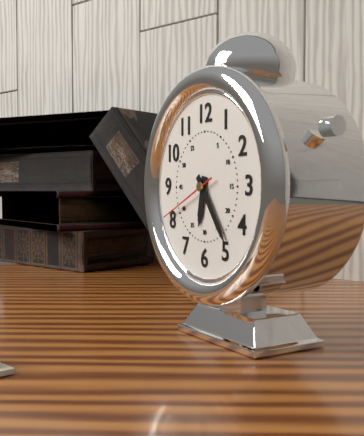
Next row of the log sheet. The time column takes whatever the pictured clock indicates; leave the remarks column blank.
6:24:41
